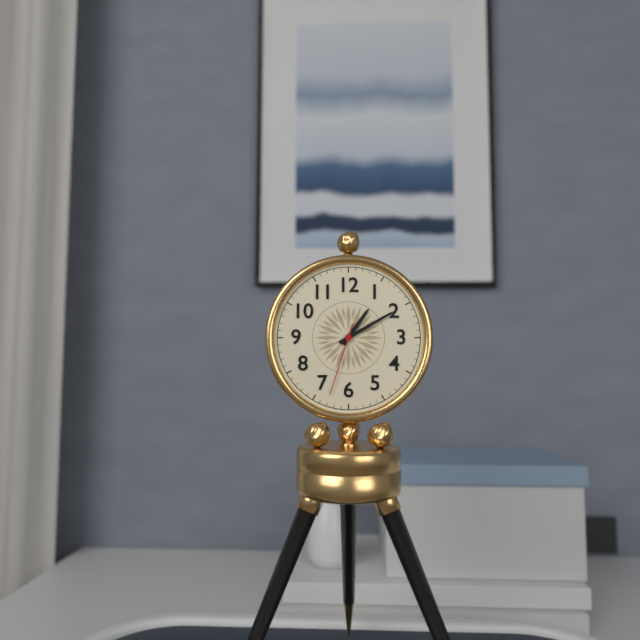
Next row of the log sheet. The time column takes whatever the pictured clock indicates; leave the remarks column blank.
1:10:33
